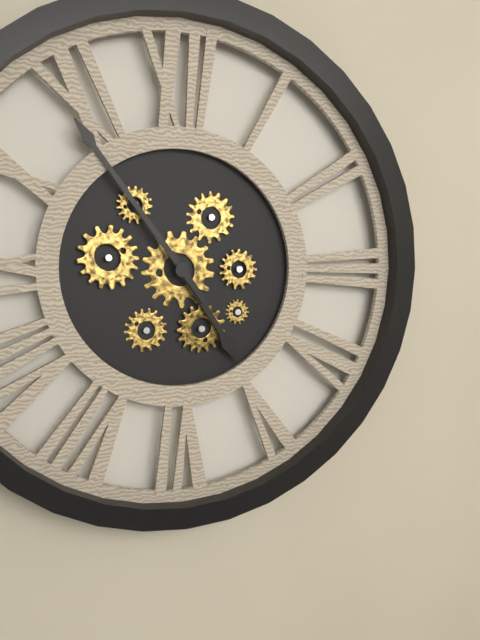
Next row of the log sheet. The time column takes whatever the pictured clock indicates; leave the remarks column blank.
4:54
